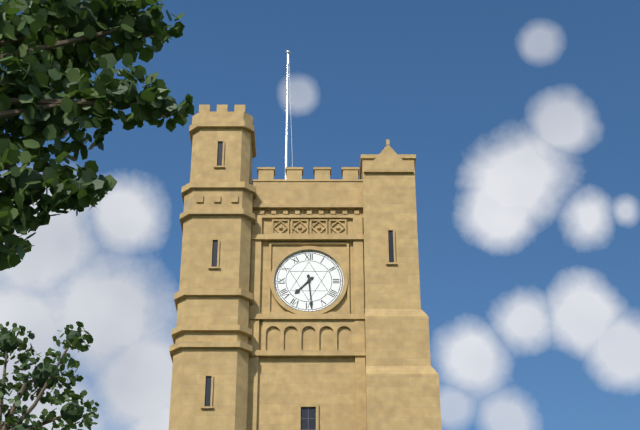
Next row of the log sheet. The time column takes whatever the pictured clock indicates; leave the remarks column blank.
7:29
